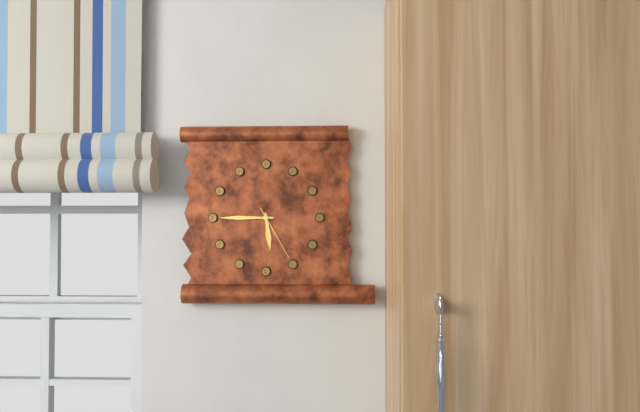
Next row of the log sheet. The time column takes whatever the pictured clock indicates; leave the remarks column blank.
5:45:25
